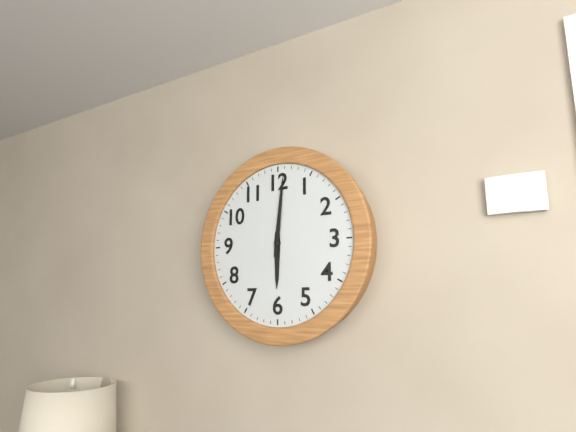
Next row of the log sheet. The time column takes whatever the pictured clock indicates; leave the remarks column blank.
6:01
